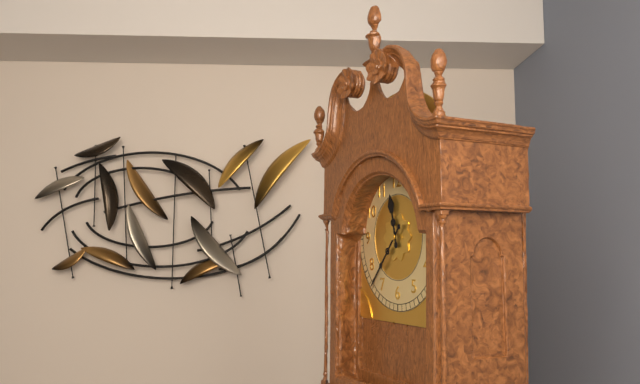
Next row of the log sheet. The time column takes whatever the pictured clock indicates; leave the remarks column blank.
11:37
